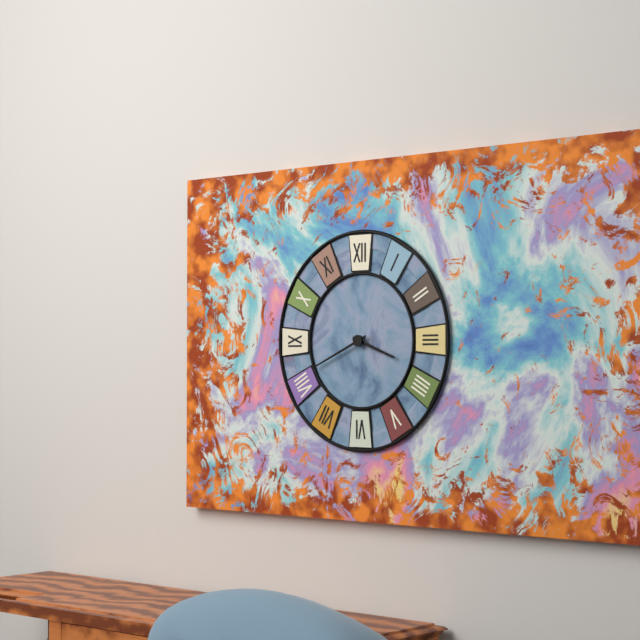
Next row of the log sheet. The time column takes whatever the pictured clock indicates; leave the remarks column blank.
3:41
